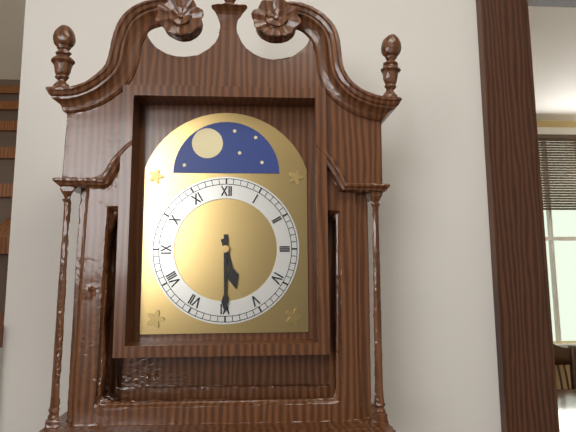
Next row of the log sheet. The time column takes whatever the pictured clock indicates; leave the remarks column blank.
5:30
